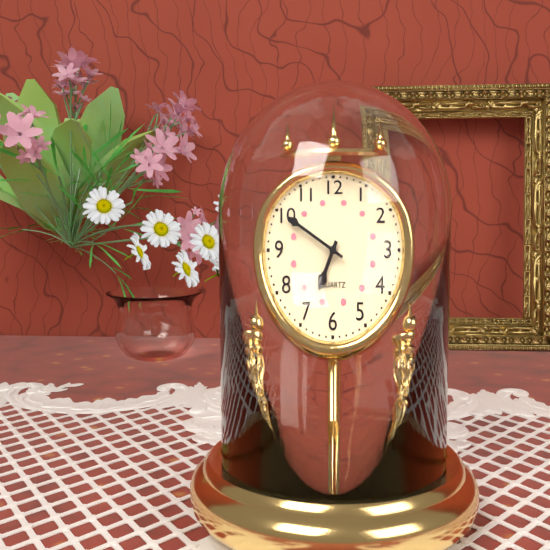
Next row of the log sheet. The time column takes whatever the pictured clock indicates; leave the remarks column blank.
6:50
